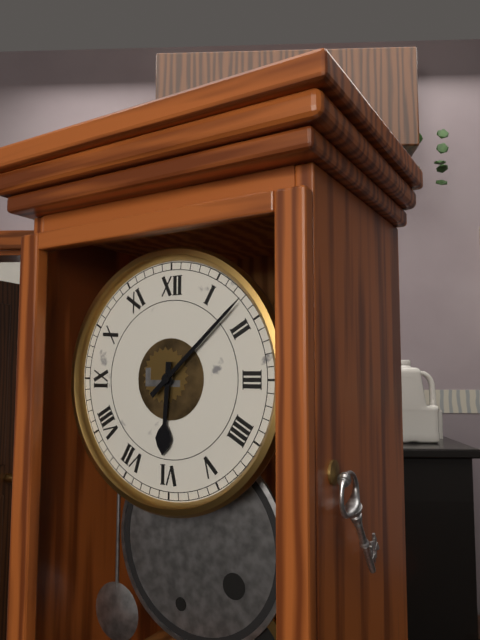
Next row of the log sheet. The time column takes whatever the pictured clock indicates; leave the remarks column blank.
6:08
